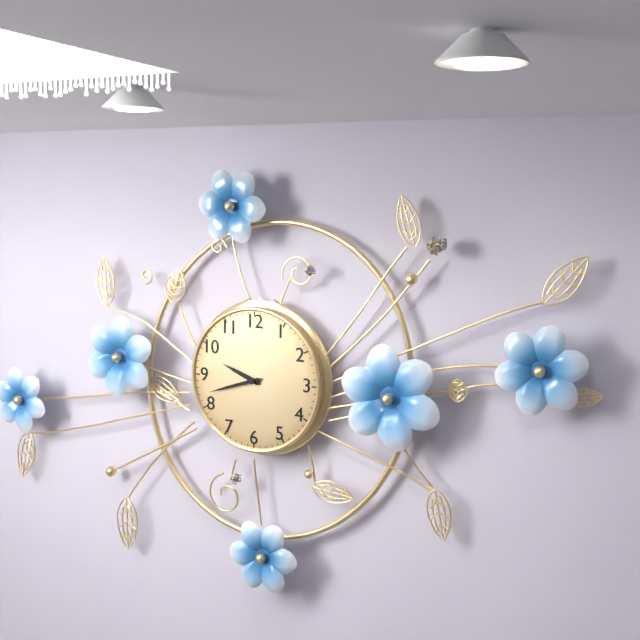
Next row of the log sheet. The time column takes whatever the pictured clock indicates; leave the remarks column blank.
9:42
